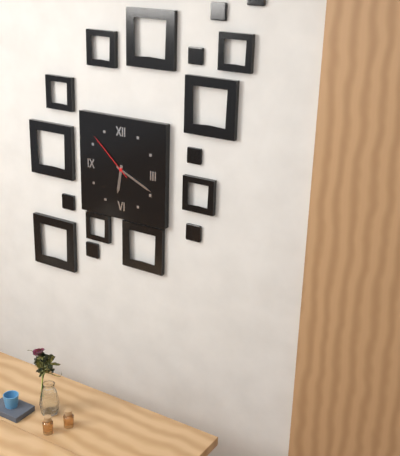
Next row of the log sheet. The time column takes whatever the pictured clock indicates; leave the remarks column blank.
6:19:52
